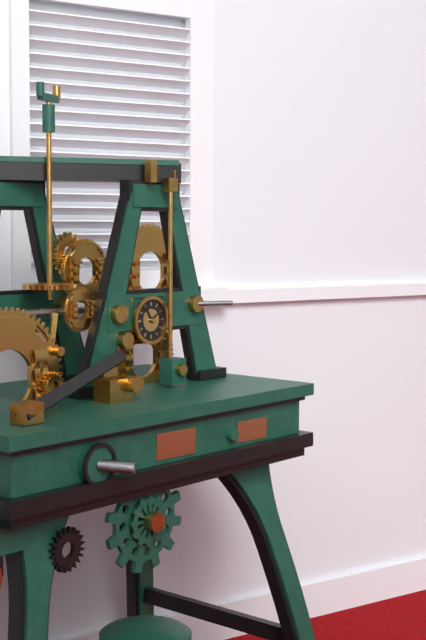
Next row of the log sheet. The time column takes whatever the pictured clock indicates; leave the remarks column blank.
1:55
